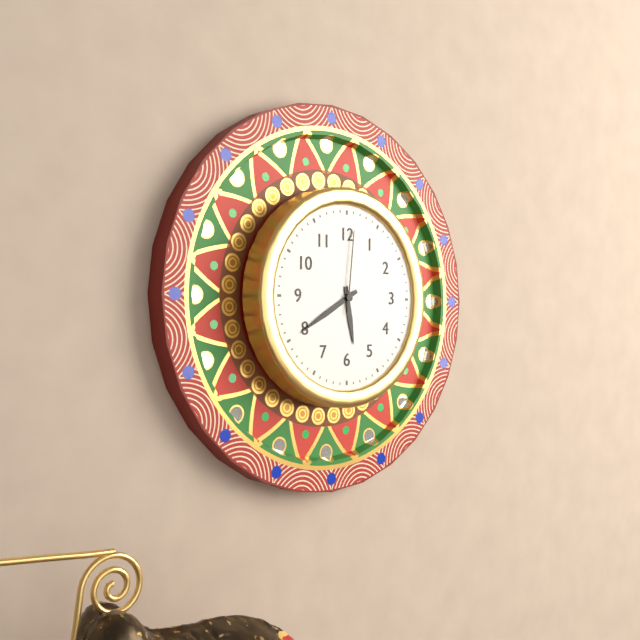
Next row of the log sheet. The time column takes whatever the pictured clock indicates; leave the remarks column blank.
5:40:01
